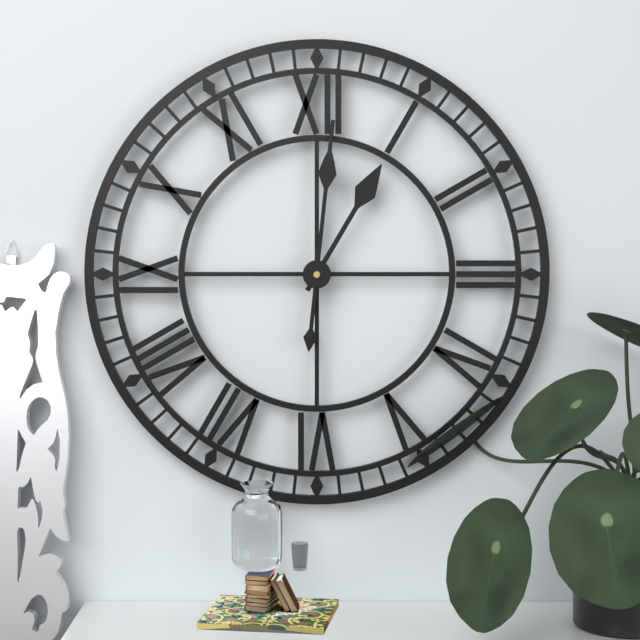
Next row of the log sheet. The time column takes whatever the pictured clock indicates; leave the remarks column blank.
1:01
